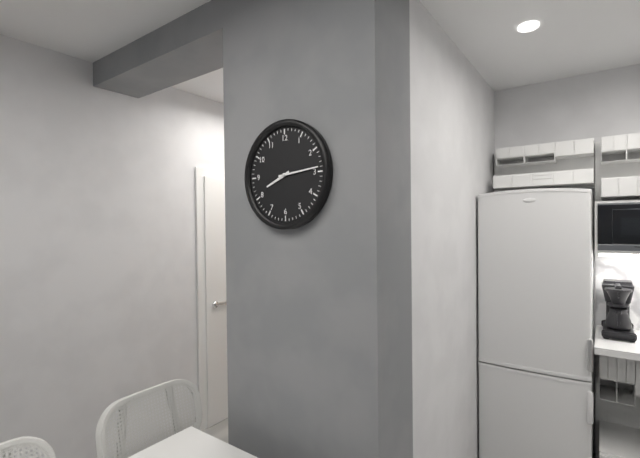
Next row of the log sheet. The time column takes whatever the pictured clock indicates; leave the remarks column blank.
8:14
